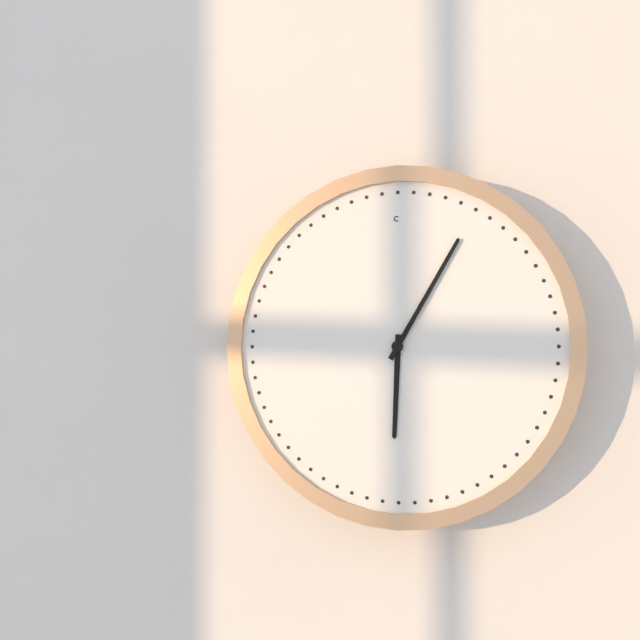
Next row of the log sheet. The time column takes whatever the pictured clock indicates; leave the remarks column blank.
6:05
